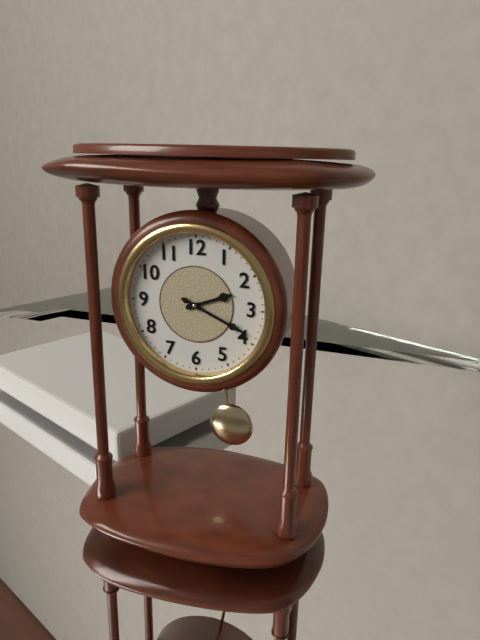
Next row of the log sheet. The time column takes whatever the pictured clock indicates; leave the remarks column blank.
2:19
